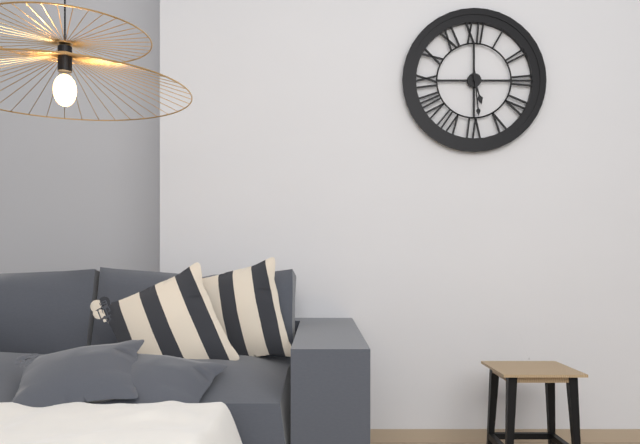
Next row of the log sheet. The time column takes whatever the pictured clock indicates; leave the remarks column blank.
5:29
